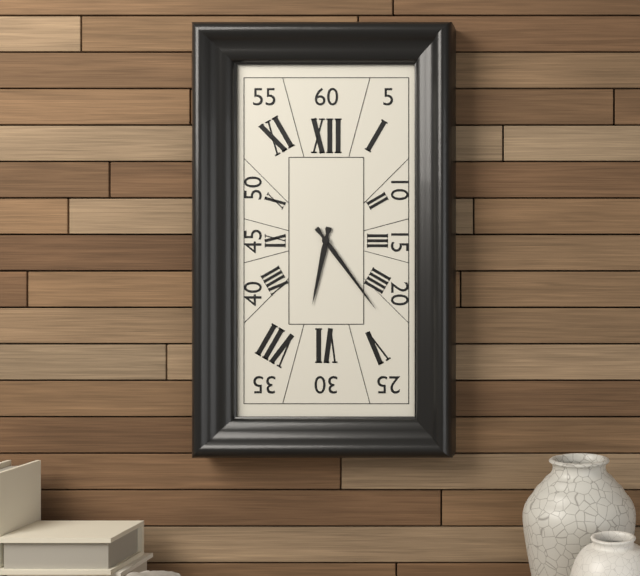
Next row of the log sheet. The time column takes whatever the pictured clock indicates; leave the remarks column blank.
6:24
